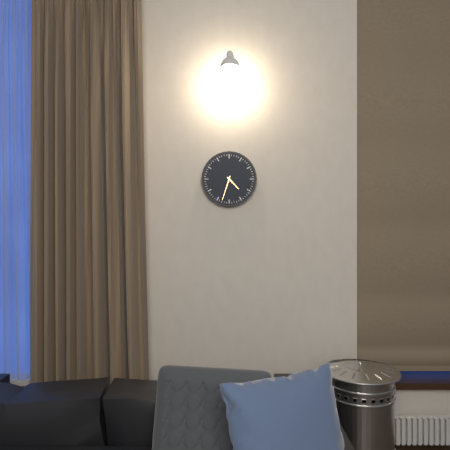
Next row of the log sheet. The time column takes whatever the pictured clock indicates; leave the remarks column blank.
4:33
